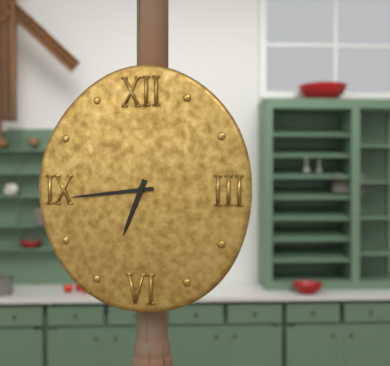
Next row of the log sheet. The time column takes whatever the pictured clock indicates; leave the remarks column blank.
6:44
